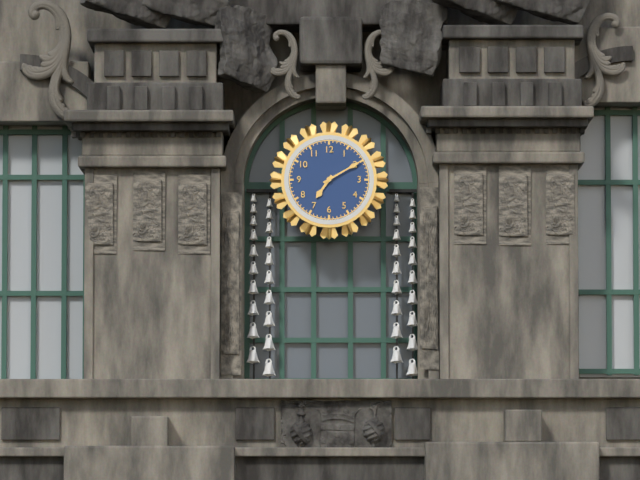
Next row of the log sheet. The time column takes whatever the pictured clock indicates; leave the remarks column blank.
7:10
